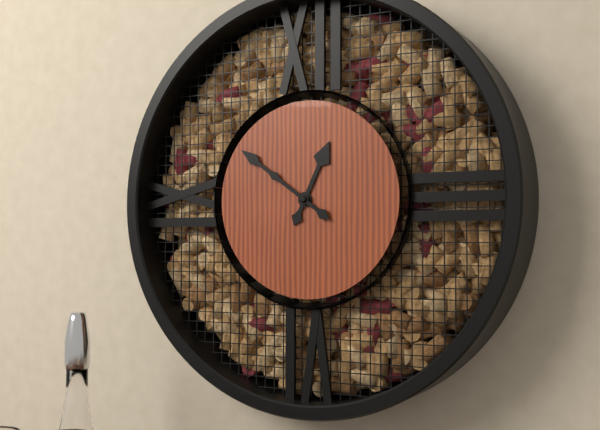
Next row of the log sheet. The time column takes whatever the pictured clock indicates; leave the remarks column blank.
12:51
